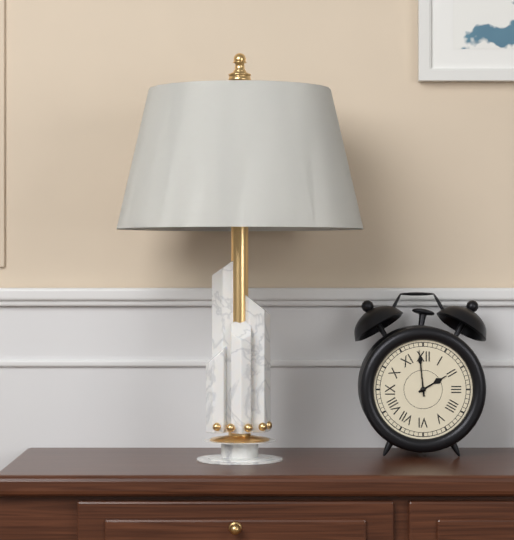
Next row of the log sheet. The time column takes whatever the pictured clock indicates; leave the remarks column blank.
1:59
